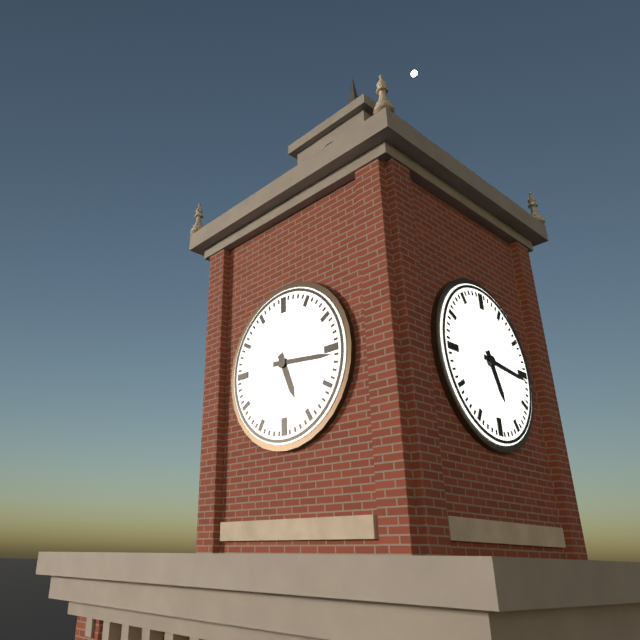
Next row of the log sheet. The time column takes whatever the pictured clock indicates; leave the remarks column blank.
5:16
